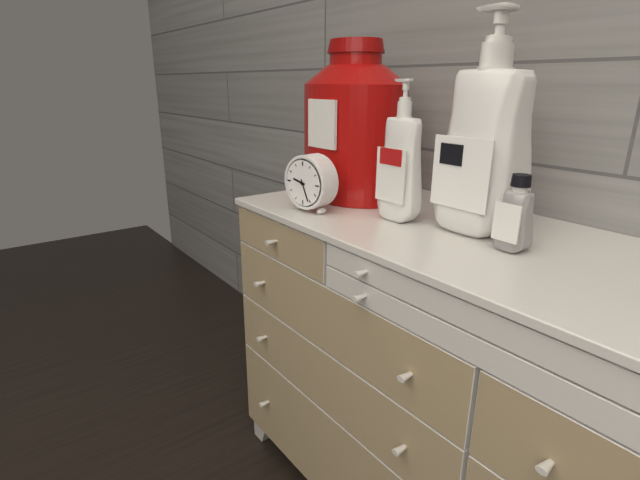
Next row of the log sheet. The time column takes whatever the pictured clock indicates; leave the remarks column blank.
9:26
